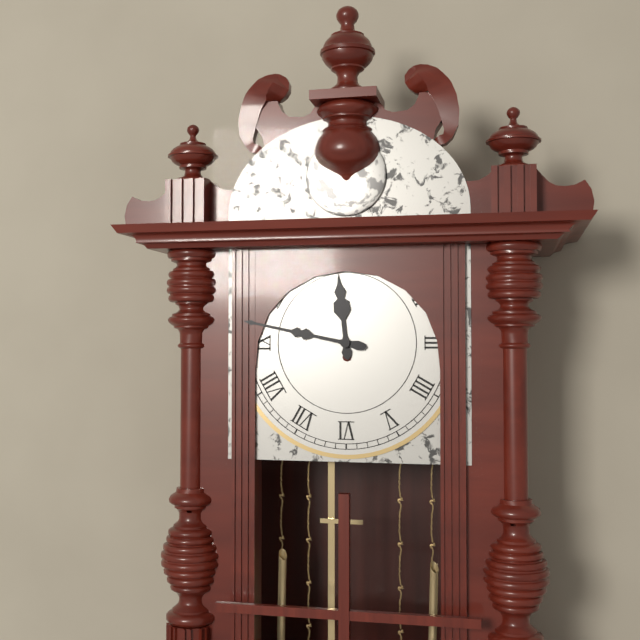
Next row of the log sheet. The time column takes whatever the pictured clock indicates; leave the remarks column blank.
11:47
